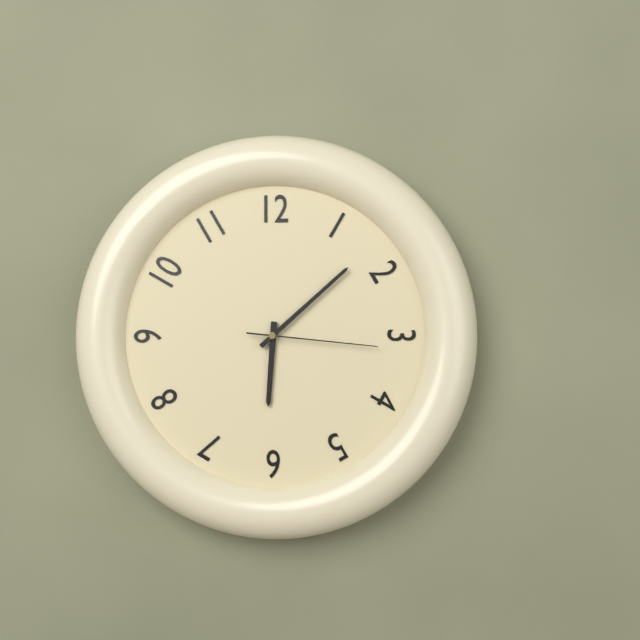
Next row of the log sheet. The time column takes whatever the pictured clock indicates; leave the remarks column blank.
6:08:16
